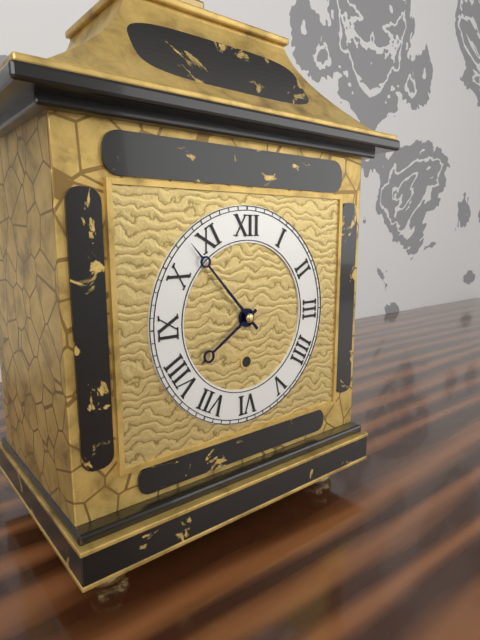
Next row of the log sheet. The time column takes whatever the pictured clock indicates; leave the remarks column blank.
7:53
